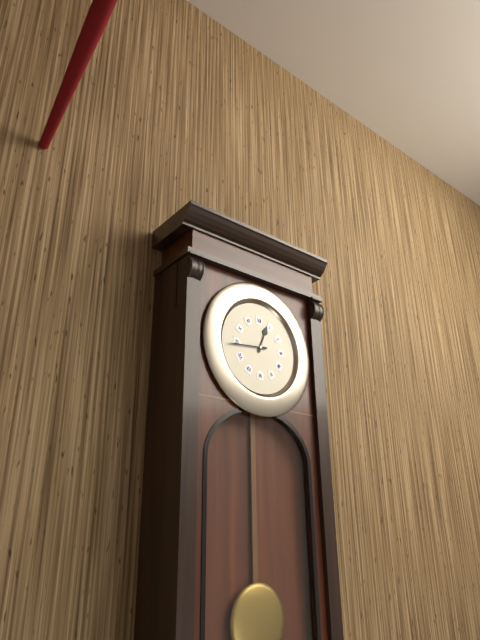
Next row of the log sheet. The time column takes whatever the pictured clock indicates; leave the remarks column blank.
12:44
